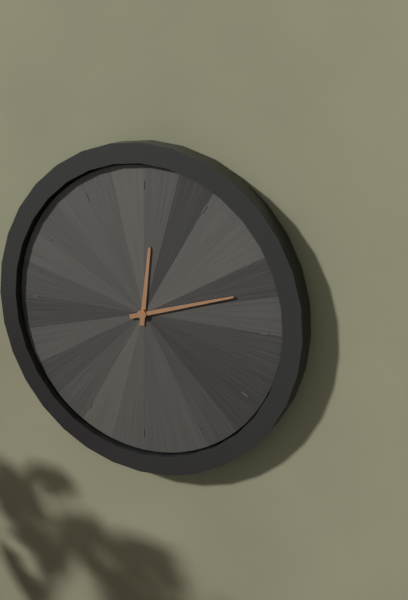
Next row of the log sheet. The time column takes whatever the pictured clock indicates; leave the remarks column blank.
12:12
